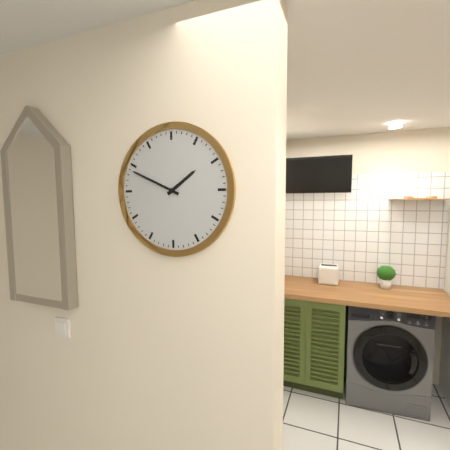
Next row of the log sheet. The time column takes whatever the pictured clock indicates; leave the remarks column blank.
1:49
